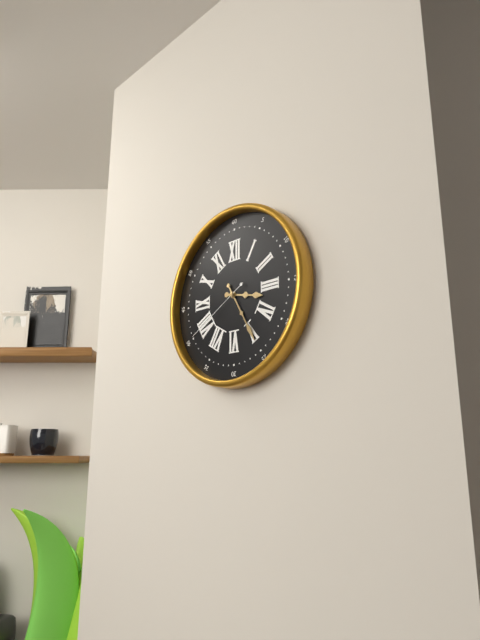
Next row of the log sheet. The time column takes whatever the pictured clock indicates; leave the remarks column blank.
3:25:40
